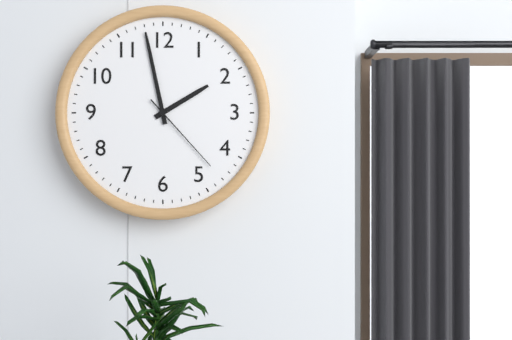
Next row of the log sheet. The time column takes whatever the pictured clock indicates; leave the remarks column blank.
1:58:23
